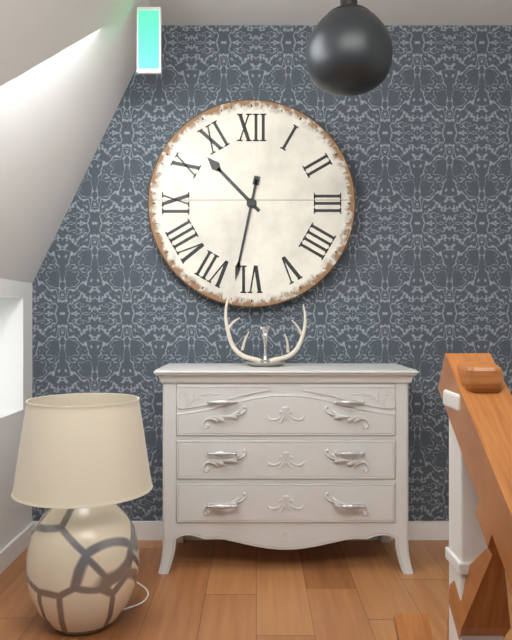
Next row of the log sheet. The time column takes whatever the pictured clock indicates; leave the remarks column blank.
10:32
